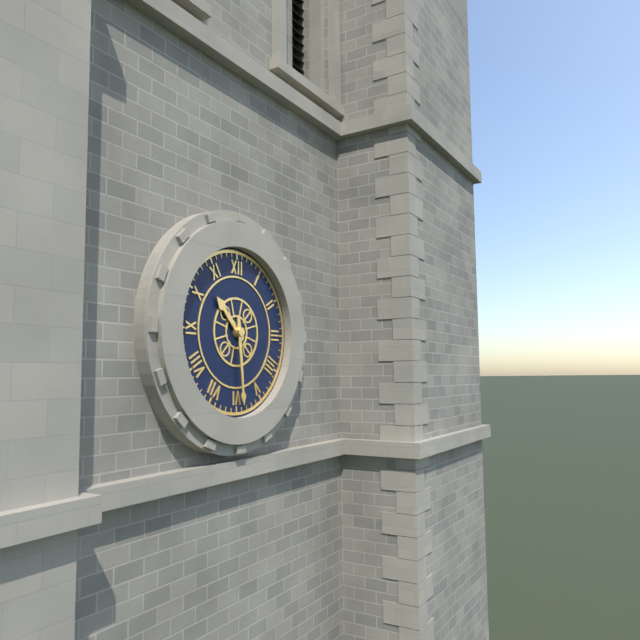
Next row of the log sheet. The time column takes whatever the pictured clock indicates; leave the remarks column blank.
10:29
